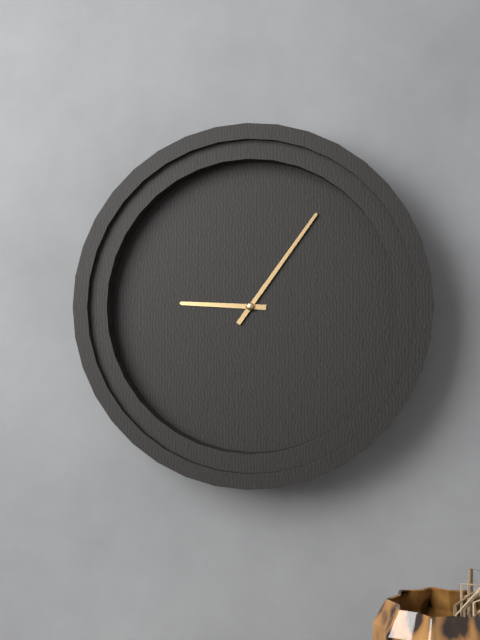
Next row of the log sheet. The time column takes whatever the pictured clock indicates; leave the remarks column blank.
9:06
